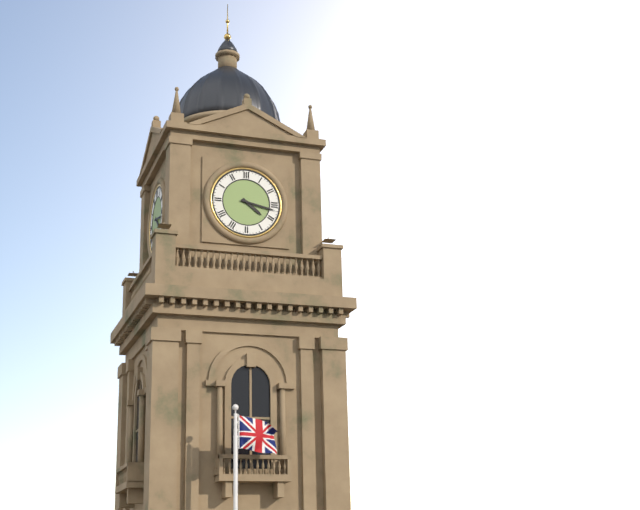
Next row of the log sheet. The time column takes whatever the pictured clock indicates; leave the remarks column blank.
4:17
